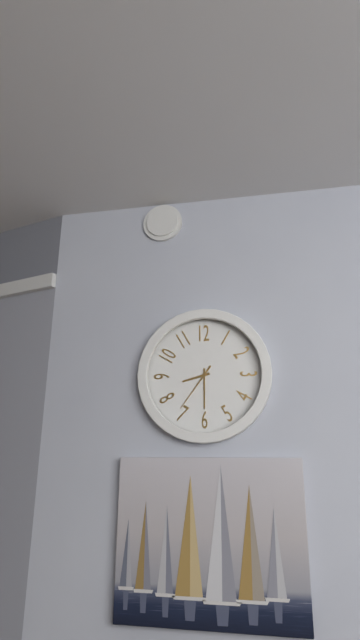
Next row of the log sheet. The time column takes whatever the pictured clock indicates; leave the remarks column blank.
8:30:36
